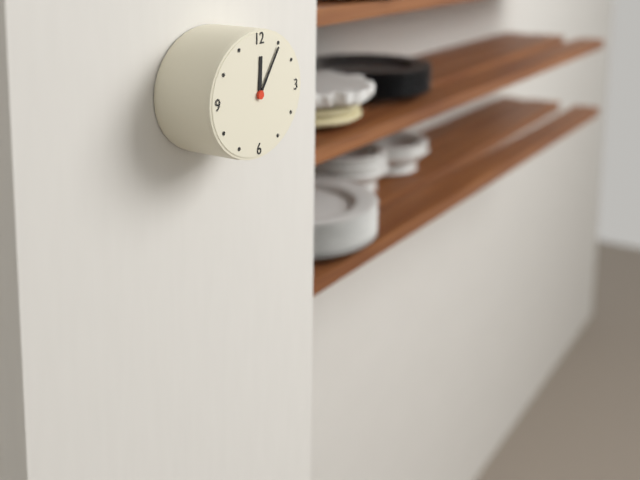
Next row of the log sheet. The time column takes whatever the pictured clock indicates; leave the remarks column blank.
12:06
